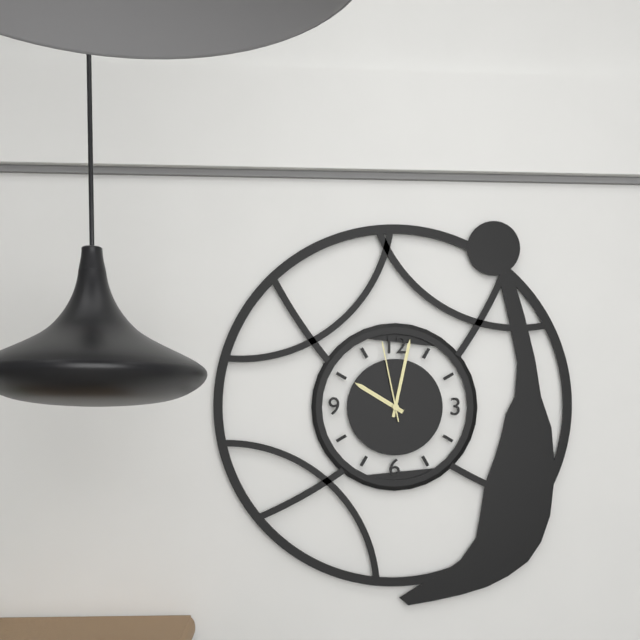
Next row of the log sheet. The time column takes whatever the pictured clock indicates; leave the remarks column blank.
10:02:58
